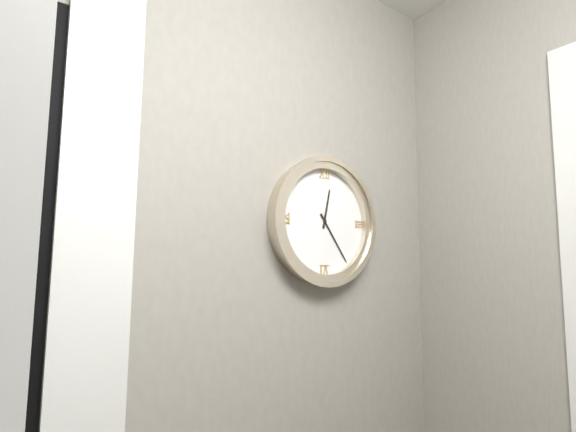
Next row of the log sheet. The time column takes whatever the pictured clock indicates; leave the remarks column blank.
12:24
